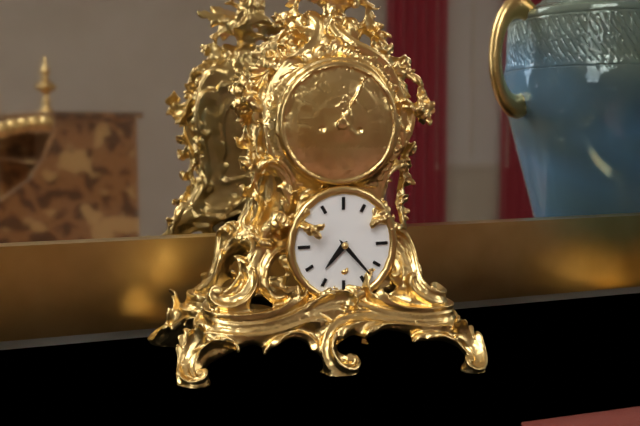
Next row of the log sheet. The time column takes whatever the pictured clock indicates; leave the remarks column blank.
7:23
